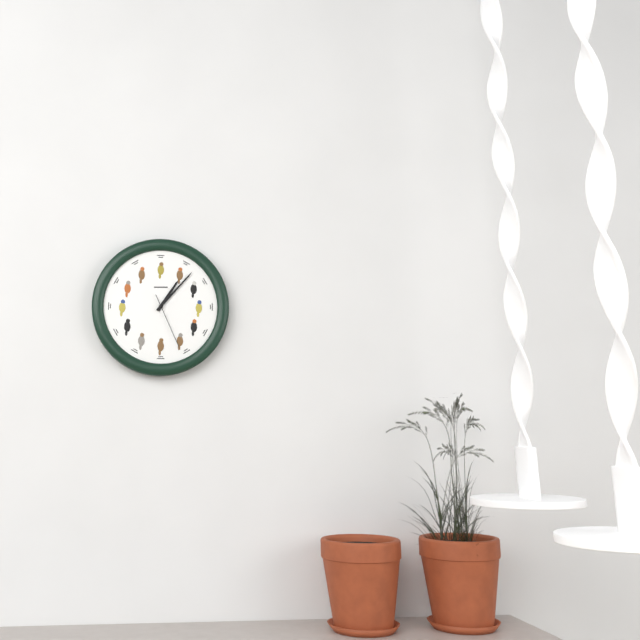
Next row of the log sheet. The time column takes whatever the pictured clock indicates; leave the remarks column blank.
1:07:26
